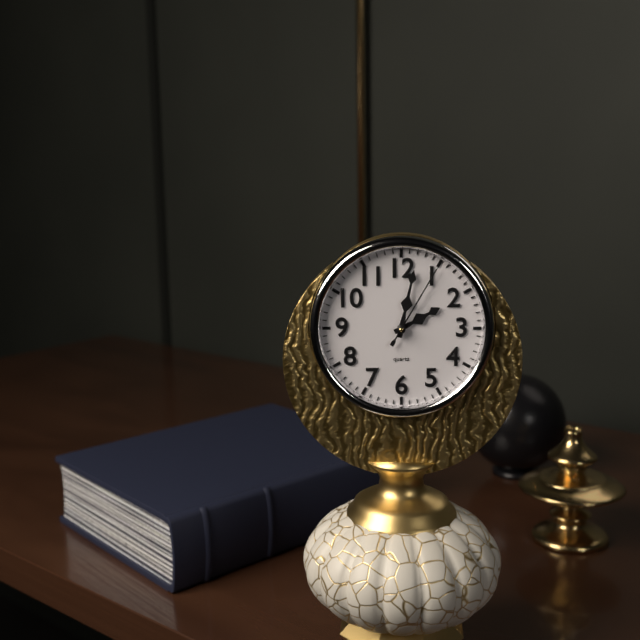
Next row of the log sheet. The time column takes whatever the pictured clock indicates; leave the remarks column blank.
2:02:05
